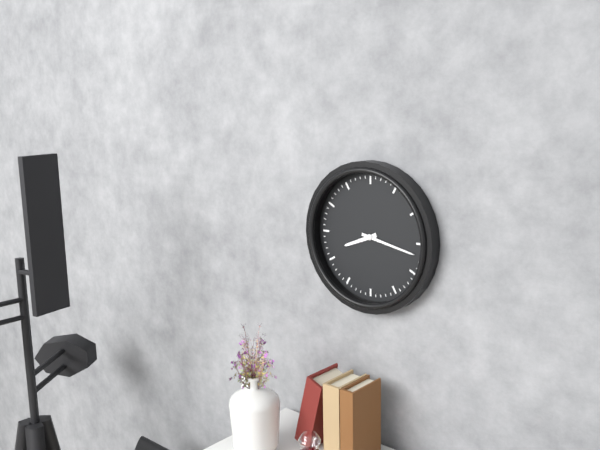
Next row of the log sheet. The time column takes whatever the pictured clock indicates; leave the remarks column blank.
8:17
